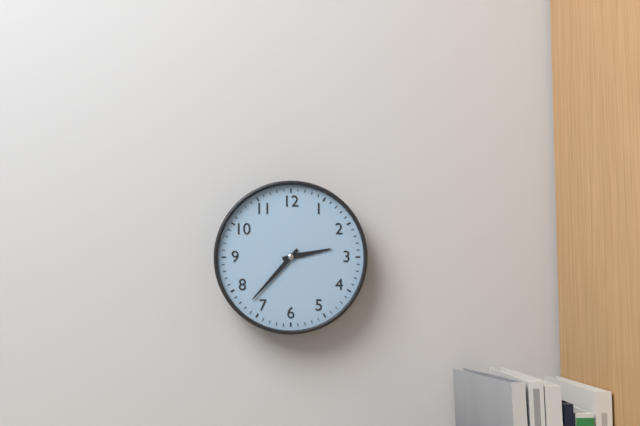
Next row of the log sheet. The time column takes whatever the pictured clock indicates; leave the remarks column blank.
2:37
